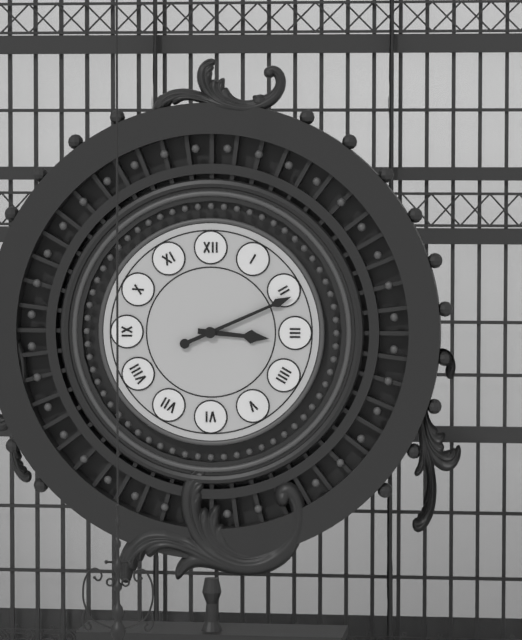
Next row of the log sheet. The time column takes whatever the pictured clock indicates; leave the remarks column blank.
3:11
